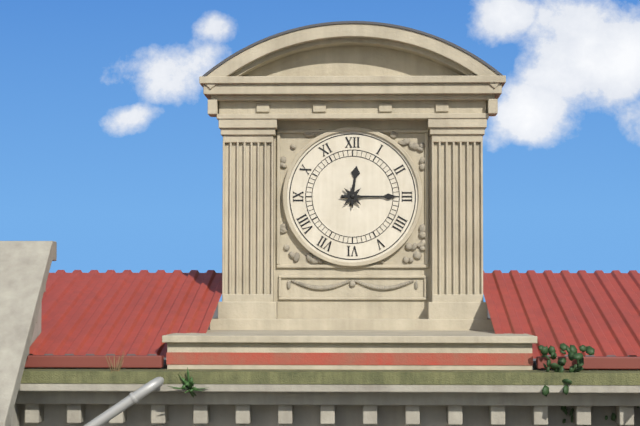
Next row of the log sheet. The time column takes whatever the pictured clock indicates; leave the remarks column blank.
12:15
